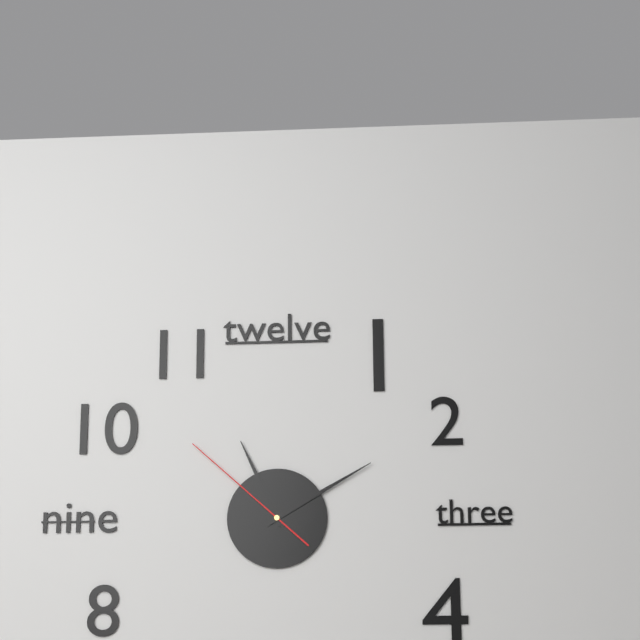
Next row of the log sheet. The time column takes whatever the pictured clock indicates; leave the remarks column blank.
11:10:52
